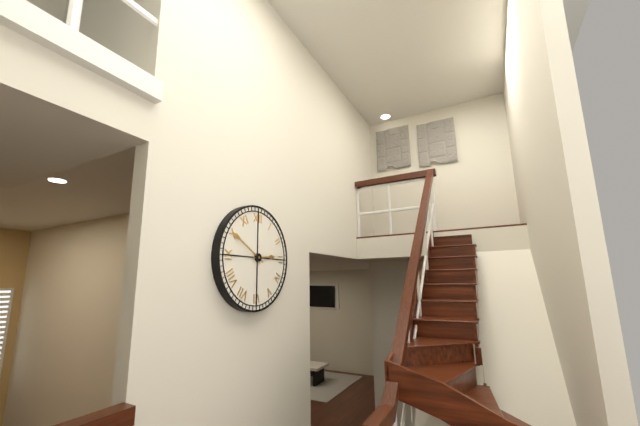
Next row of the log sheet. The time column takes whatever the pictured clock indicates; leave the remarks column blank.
2:50
